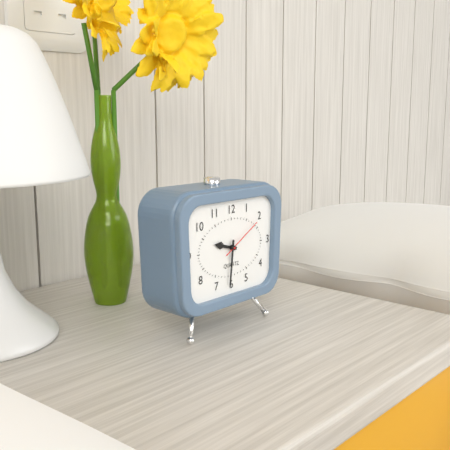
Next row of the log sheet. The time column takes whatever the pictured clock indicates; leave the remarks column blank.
9:31
